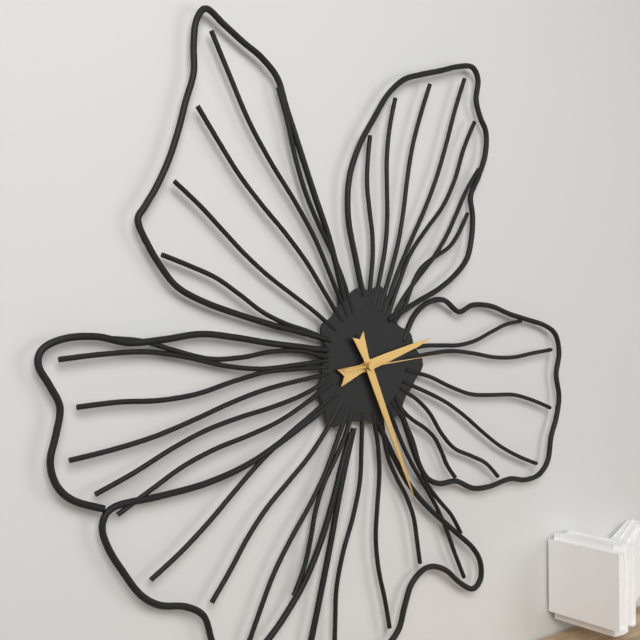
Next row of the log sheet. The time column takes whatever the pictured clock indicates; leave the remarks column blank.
2:26:14
